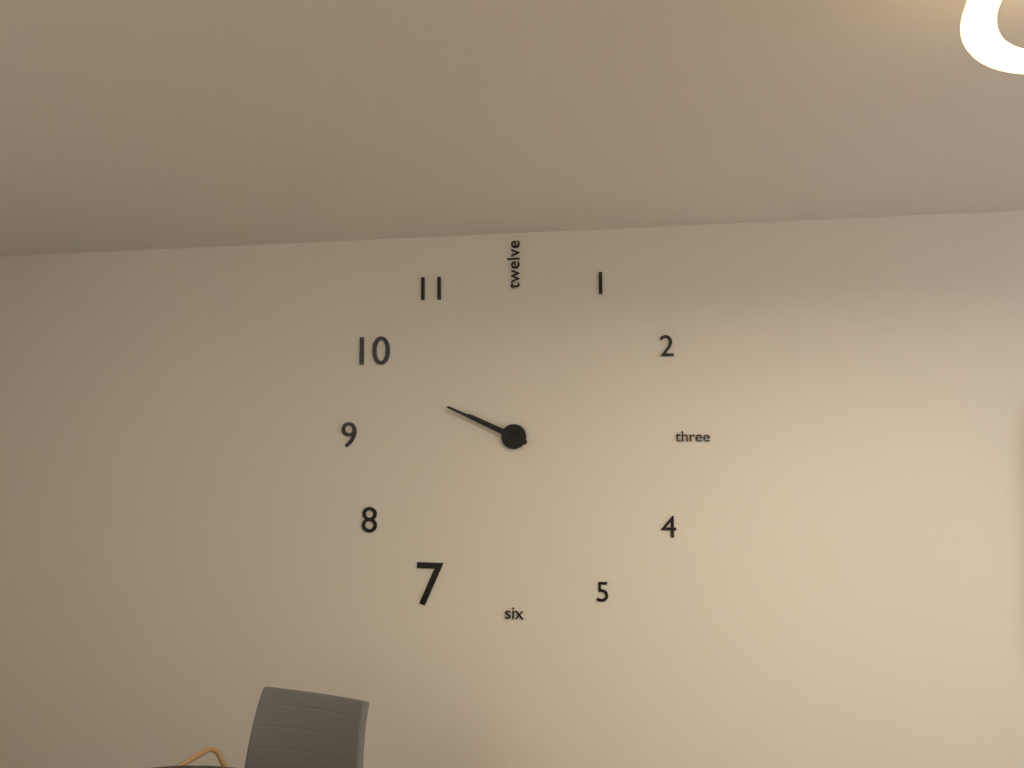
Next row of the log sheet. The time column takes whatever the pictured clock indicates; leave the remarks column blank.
9:49
